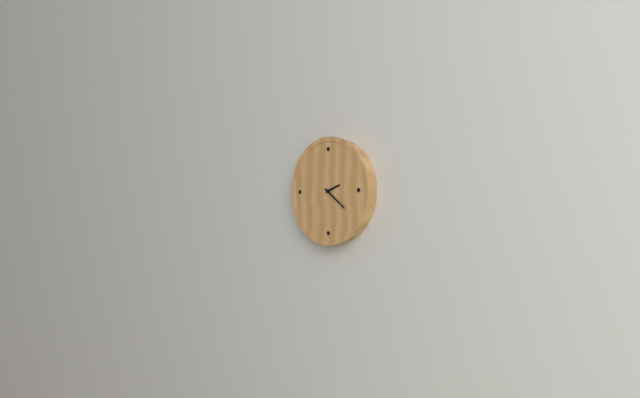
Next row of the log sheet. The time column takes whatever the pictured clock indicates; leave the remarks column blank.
2:21
